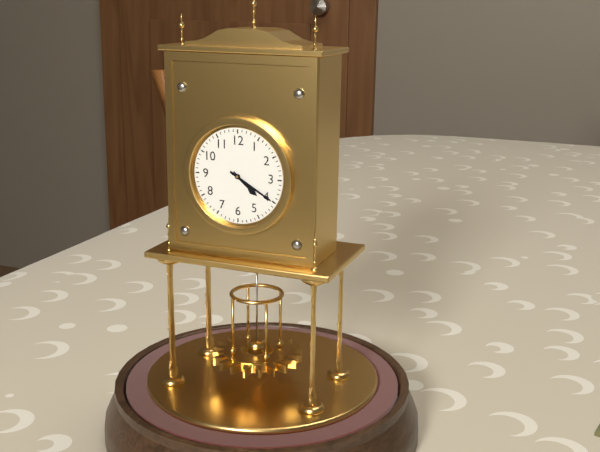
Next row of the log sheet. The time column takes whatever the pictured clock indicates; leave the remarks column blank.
4:20
